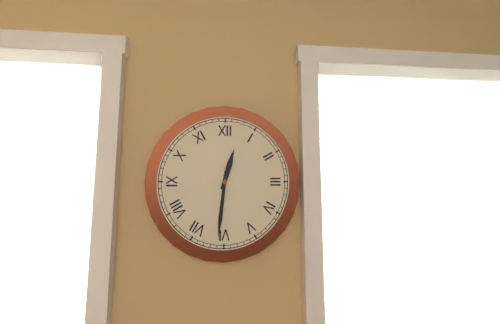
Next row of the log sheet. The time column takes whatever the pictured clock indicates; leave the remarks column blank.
12:31
